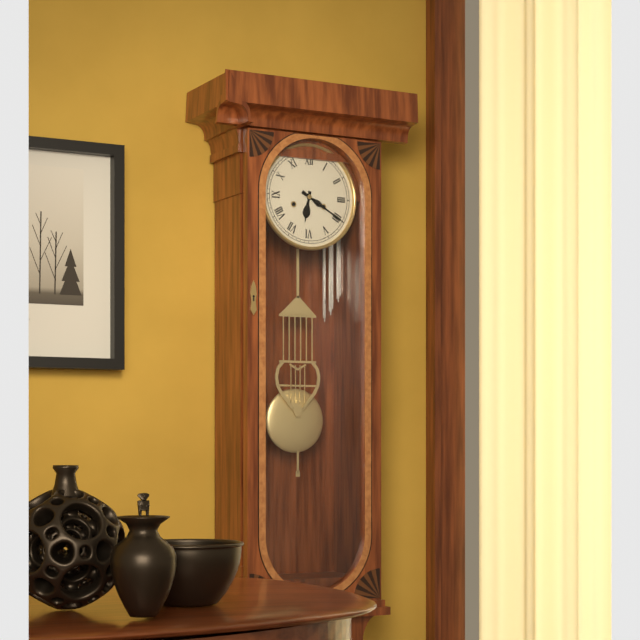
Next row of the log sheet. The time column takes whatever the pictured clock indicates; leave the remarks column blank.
6:20
